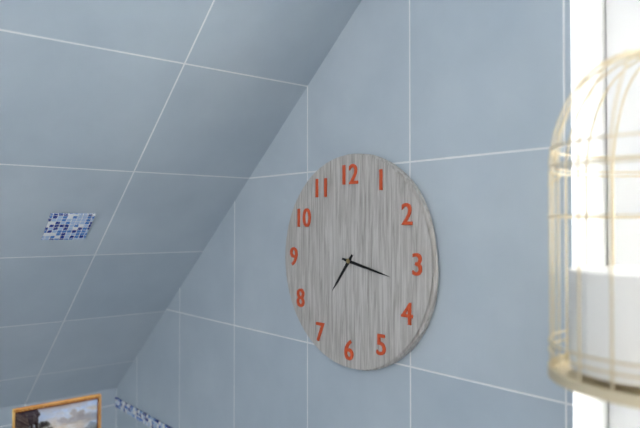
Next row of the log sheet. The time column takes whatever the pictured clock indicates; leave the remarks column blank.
7:17
